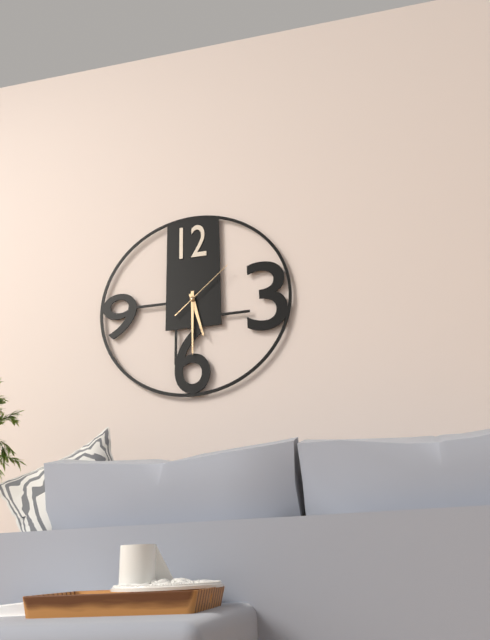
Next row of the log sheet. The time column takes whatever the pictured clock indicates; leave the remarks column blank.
5:30:08
